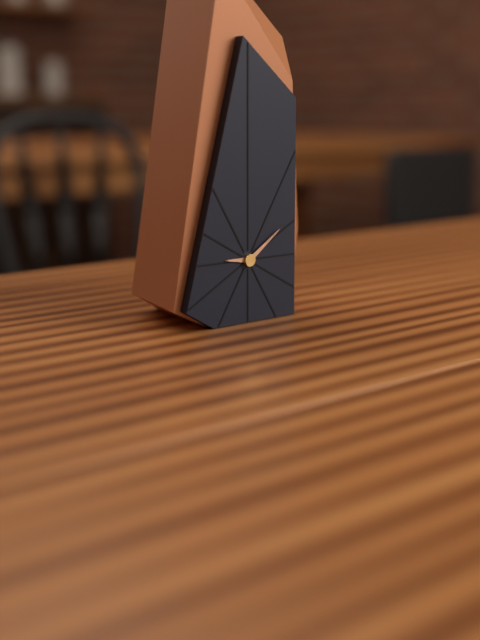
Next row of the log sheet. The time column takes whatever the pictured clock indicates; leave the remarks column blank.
9:09
